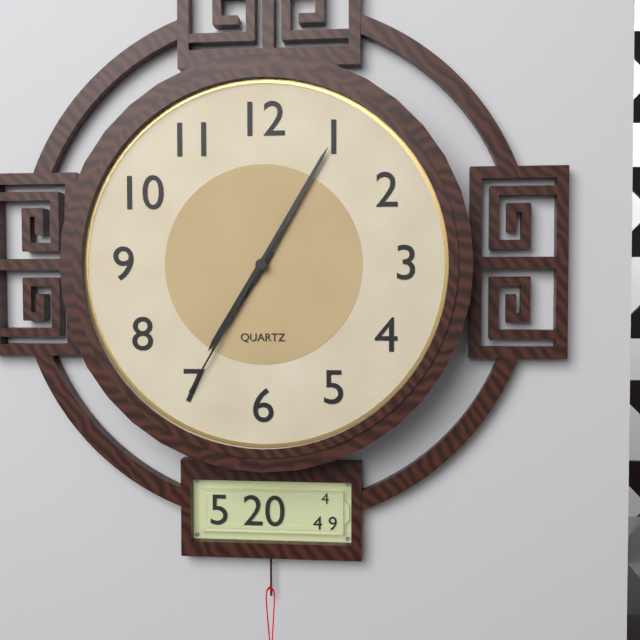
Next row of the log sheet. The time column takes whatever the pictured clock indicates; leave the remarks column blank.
7:05:35
